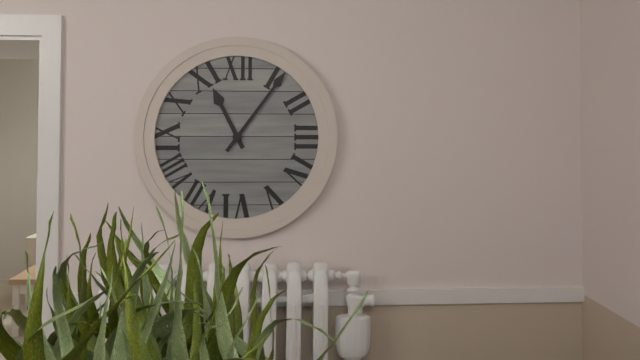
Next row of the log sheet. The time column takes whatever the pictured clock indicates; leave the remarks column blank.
11:06
